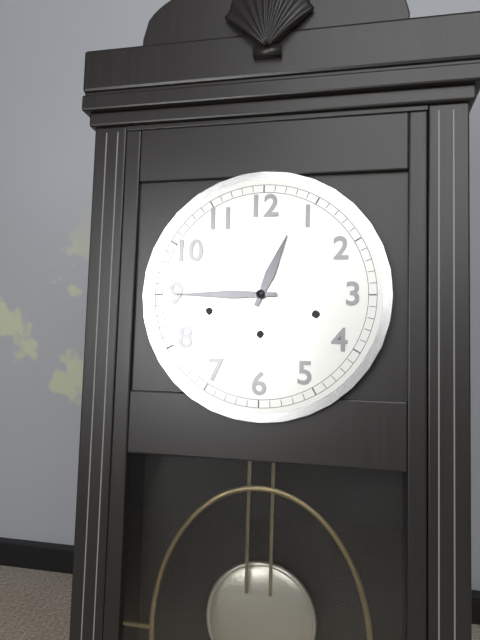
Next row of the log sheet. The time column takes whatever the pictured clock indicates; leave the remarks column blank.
12:45
